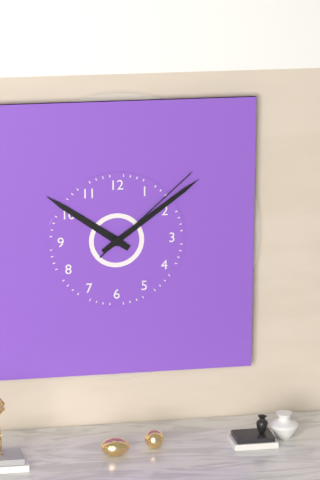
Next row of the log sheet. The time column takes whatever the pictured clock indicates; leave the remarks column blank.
10:09:08
